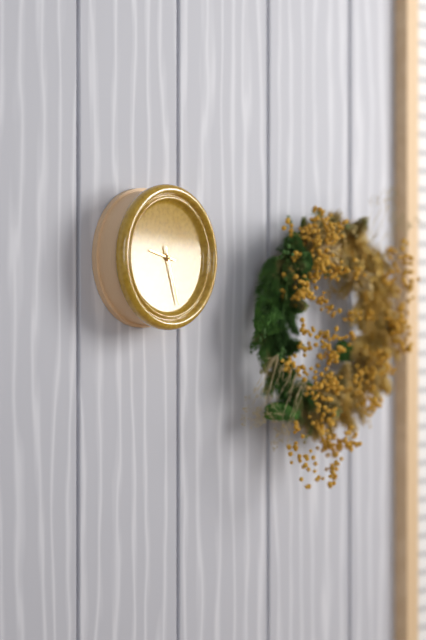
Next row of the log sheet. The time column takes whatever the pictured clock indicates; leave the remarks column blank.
9:27
